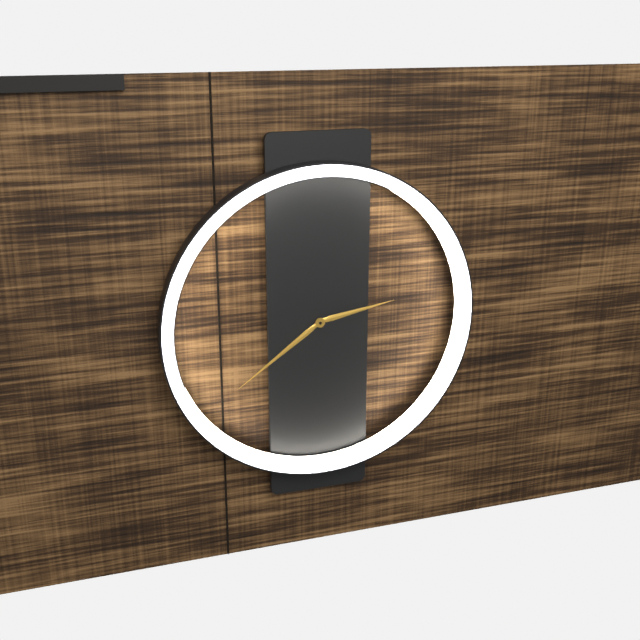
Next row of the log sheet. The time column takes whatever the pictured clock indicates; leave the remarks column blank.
2:39
